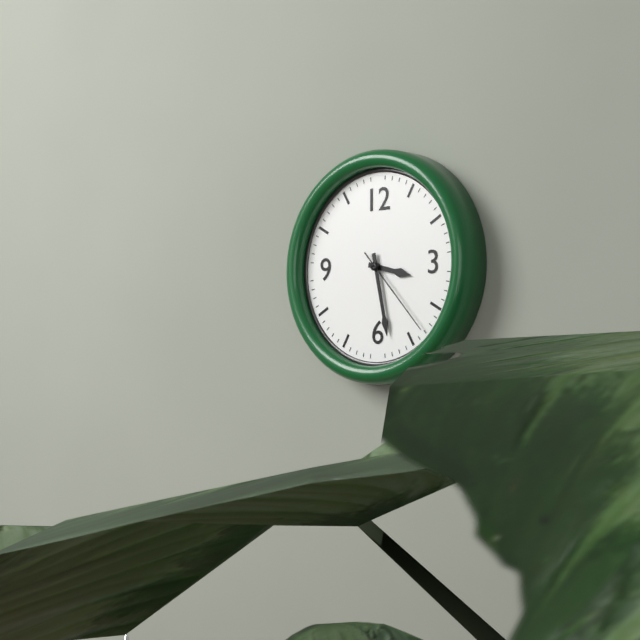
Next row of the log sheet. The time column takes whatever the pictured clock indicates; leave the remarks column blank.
3:28:23
